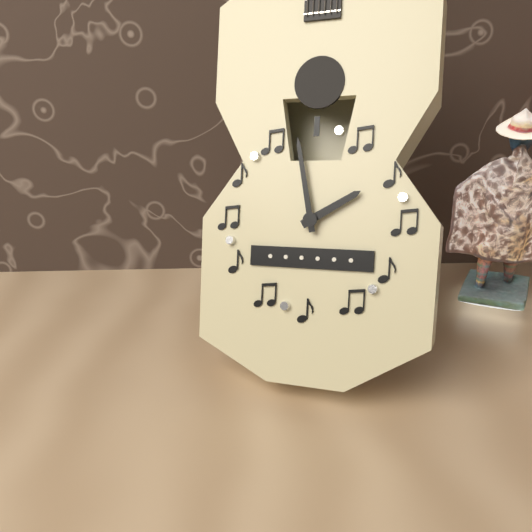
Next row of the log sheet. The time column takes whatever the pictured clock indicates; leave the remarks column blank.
1:58
